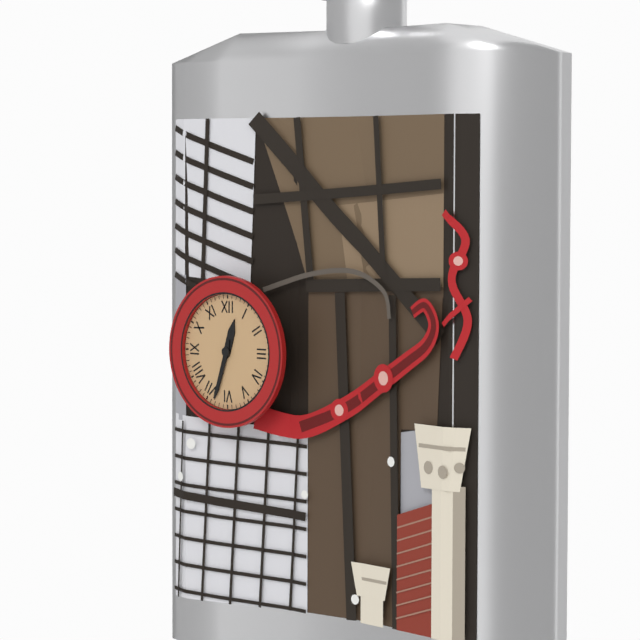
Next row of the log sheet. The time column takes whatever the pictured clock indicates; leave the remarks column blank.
12:33
